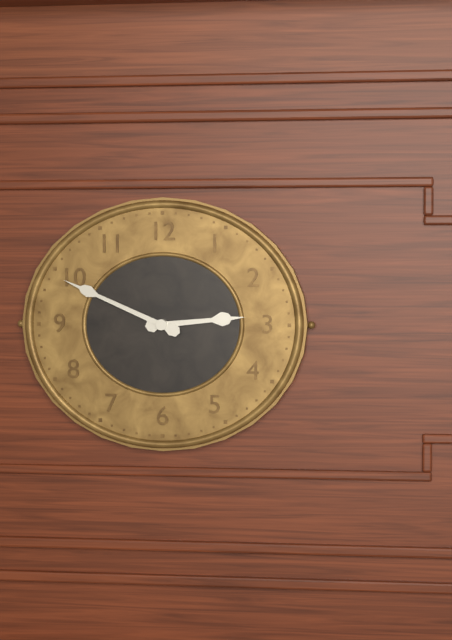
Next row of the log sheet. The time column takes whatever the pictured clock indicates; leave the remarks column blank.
2:49
